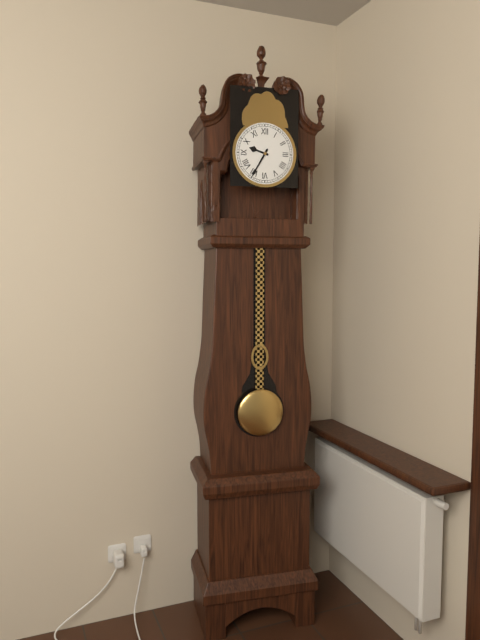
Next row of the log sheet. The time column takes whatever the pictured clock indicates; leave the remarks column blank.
9:35
